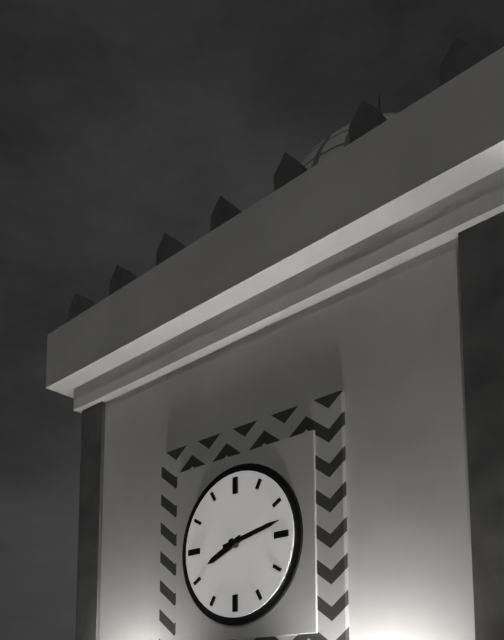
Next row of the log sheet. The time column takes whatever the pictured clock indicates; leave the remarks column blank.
8:13
